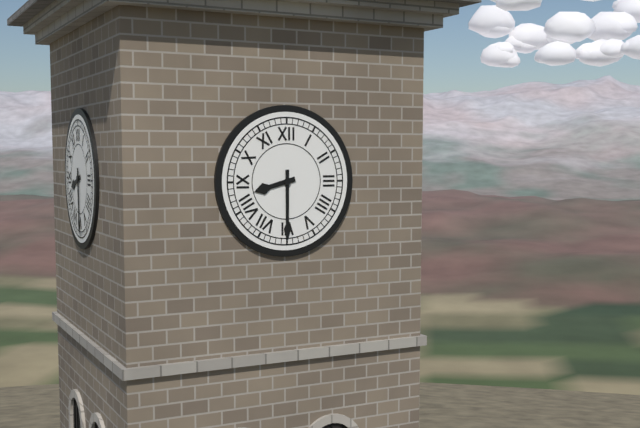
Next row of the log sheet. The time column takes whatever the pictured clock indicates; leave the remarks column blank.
8:30
